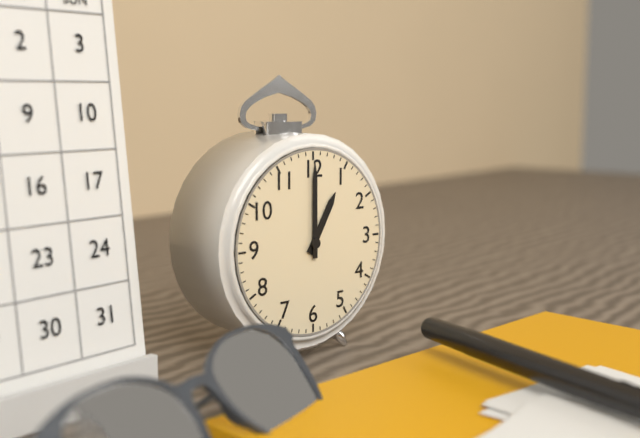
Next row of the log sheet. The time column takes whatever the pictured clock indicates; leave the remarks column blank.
1:00
